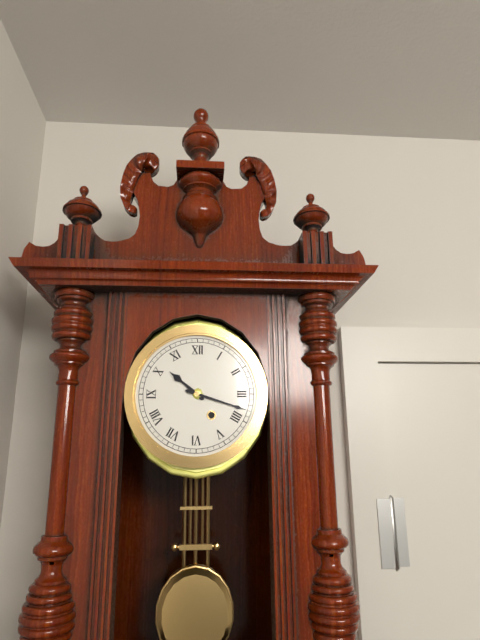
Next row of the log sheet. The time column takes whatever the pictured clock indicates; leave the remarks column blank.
10:18
